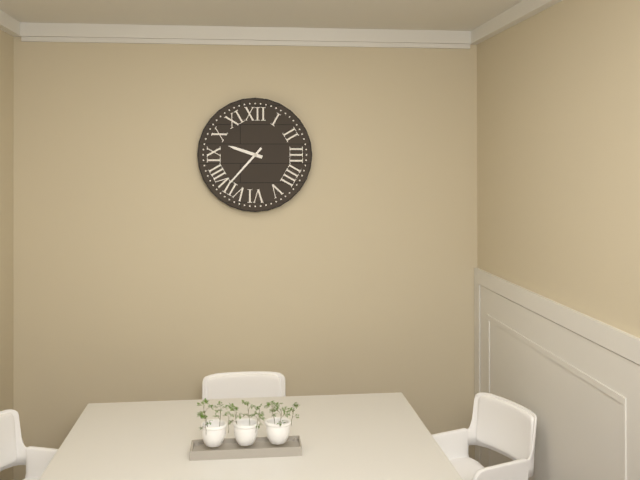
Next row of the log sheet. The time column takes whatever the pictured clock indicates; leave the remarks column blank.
9:37
